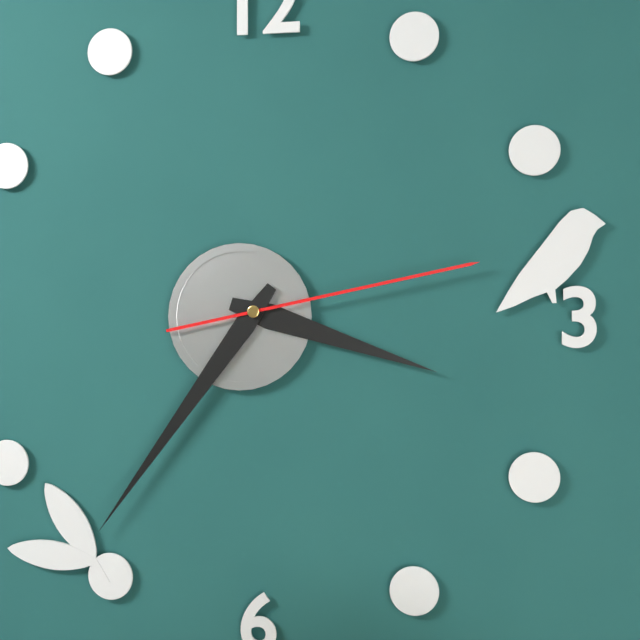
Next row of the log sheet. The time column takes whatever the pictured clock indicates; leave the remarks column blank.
3:36:13
